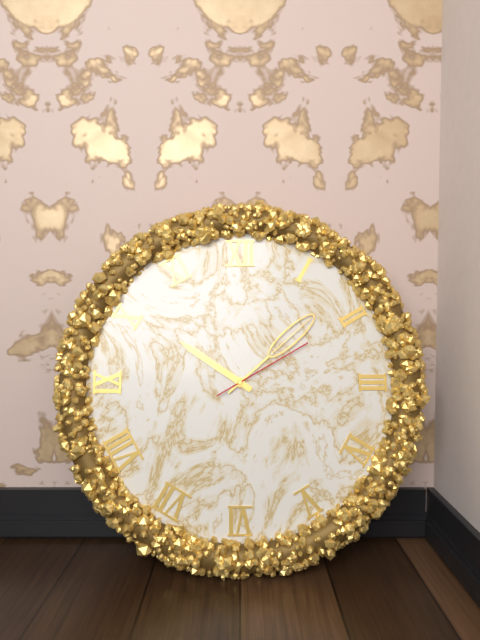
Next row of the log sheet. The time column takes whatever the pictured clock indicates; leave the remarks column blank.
10:08:10
